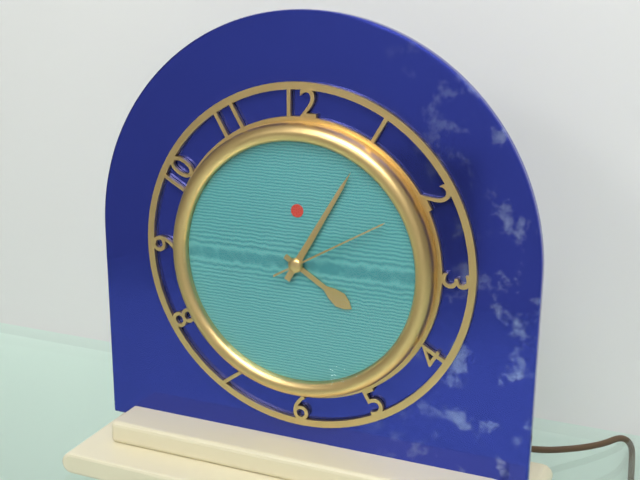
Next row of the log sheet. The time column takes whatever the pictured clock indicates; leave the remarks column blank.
4:05:10
